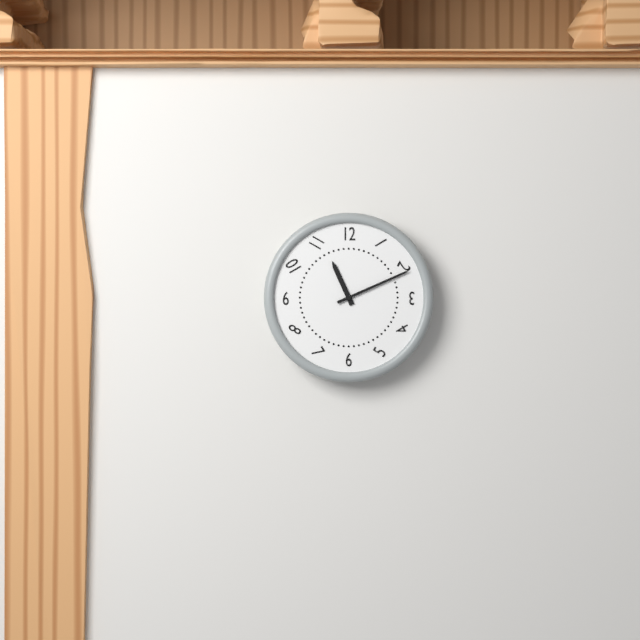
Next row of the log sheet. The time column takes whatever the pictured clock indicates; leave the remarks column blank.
11:11
